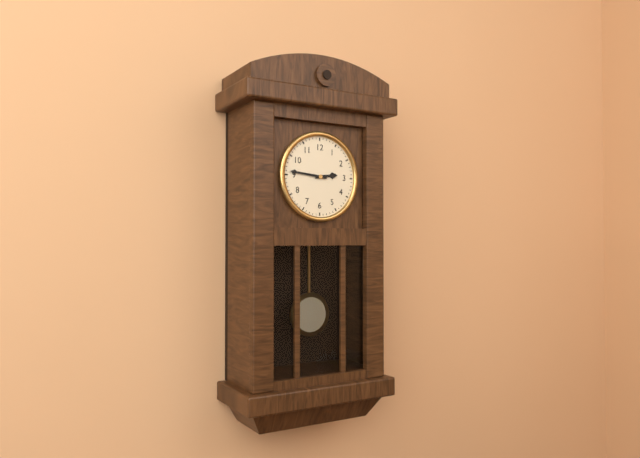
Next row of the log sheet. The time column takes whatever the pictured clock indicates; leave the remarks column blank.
2:46
